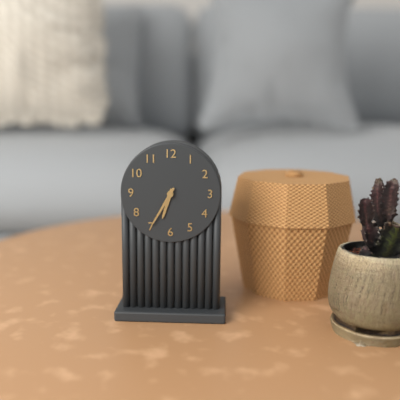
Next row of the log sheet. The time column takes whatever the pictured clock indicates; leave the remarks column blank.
6:35
